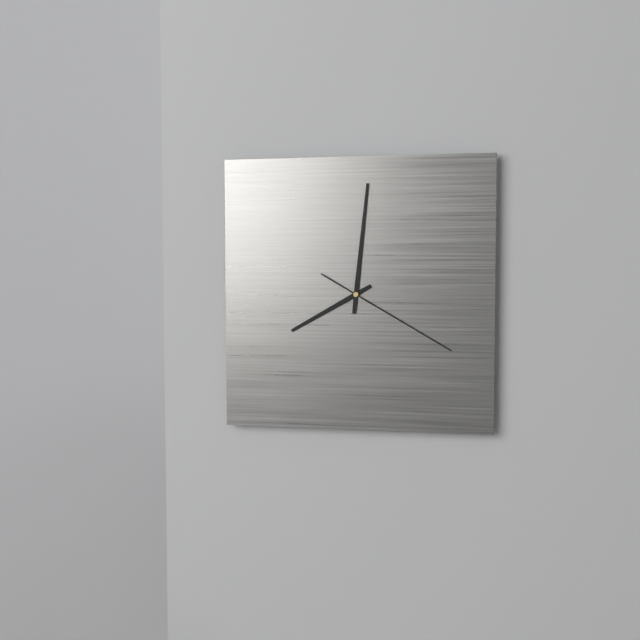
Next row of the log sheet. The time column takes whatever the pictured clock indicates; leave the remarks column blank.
8:01:20
